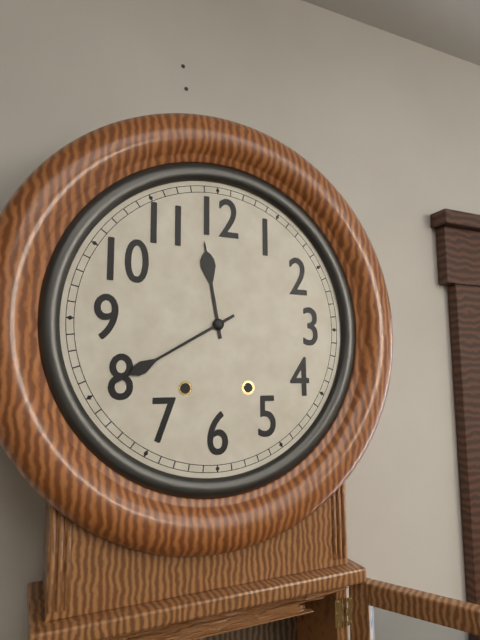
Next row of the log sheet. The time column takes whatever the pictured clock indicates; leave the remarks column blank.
11:40
